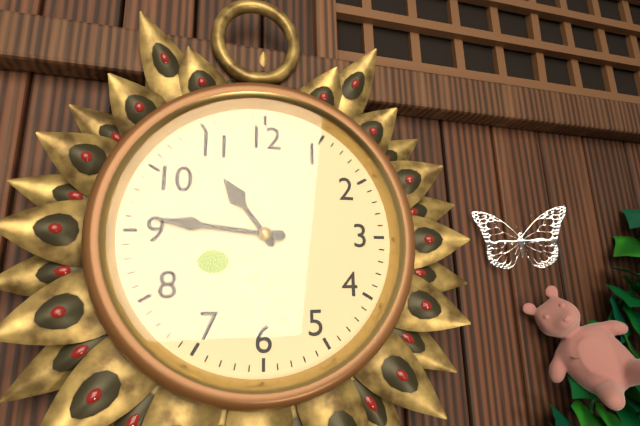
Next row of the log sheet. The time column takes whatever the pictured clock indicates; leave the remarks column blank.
10:46
